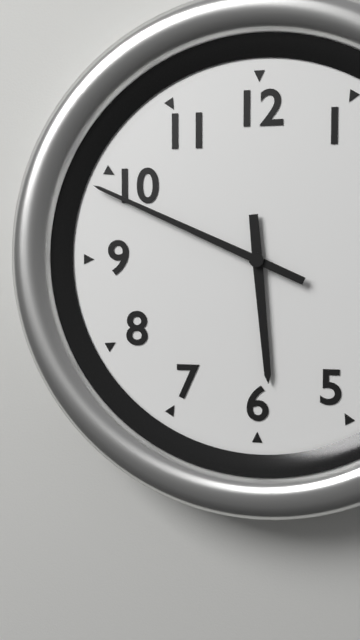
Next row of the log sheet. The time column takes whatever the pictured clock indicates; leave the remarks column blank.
5:49
